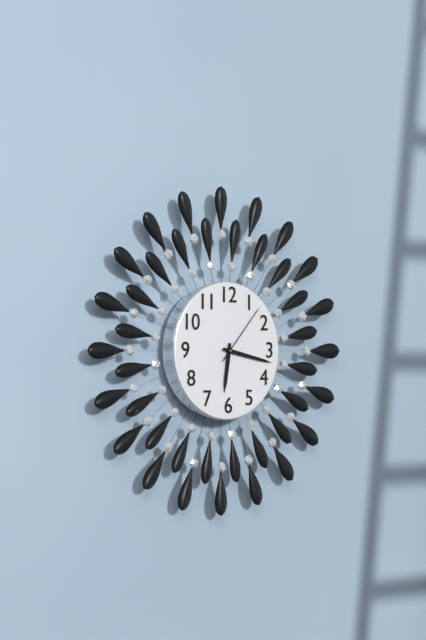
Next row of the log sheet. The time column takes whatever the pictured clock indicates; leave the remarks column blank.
6:17:07
